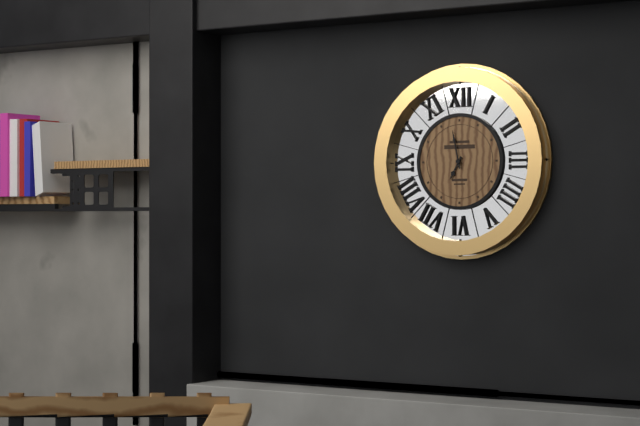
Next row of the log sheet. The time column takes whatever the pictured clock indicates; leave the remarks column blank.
6:58
